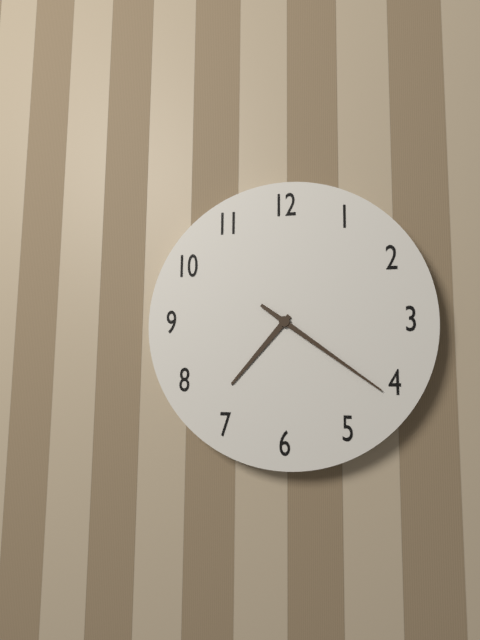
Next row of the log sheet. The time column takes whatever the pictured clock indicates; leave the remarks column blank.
7:21
